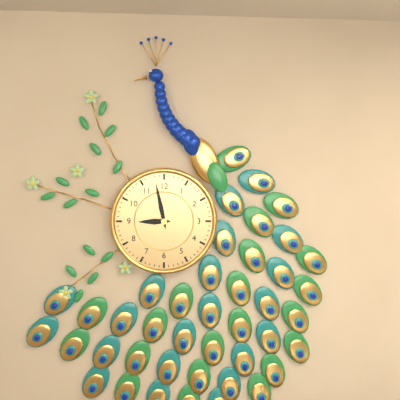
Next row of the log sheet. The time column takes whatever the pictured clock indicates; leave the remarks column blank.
8:58
